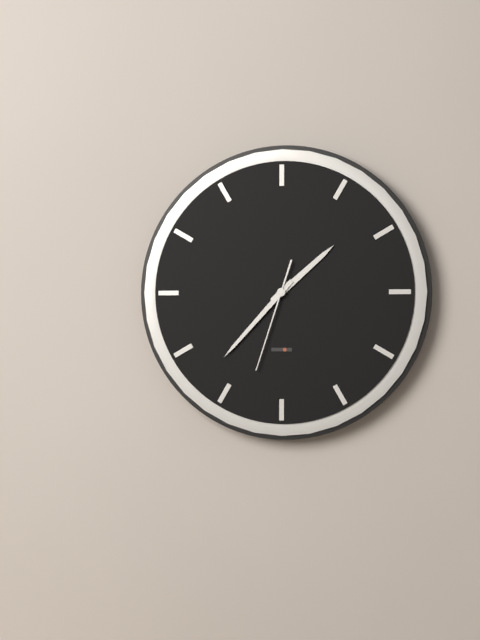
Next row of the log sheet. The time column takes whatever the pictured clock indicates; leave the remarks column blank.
1:37:33
